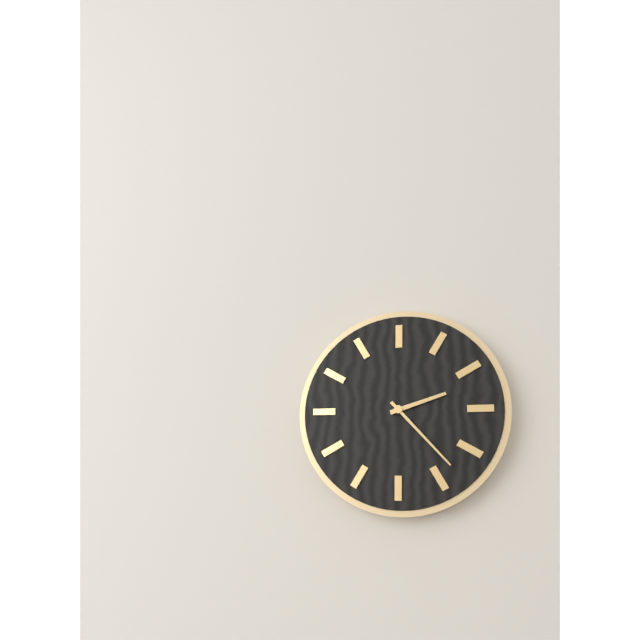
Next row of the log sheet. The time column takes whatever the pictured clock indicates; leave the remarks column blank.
2:23
